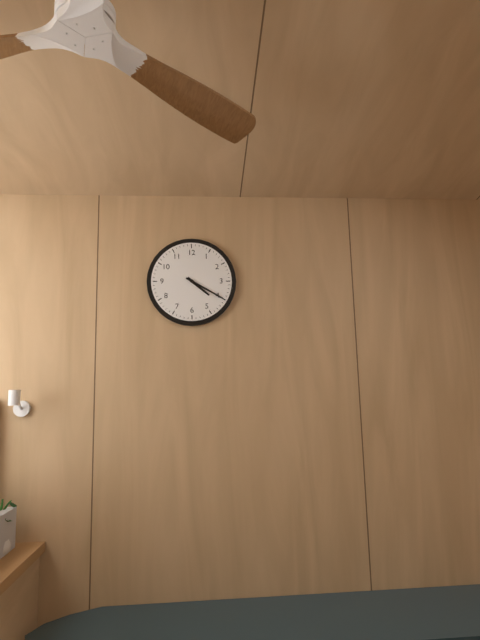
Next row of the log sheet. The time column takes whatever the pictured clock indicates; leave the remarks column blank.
4:20
